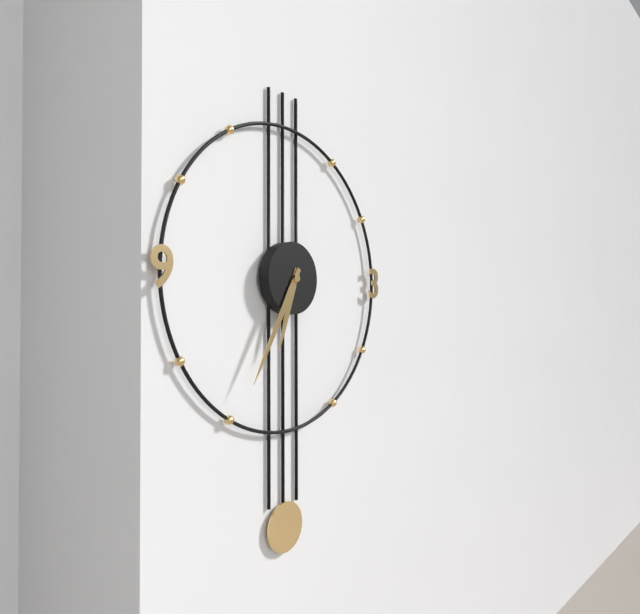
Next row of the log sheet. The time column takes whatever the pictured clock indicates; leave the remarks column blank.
6:35
